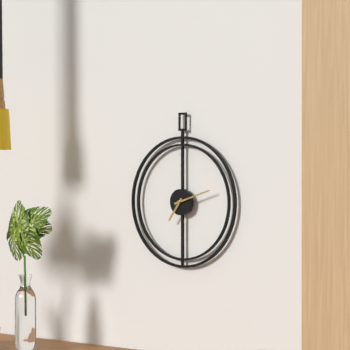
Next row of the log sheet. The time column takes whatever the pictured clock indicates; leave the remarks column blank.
7:12
